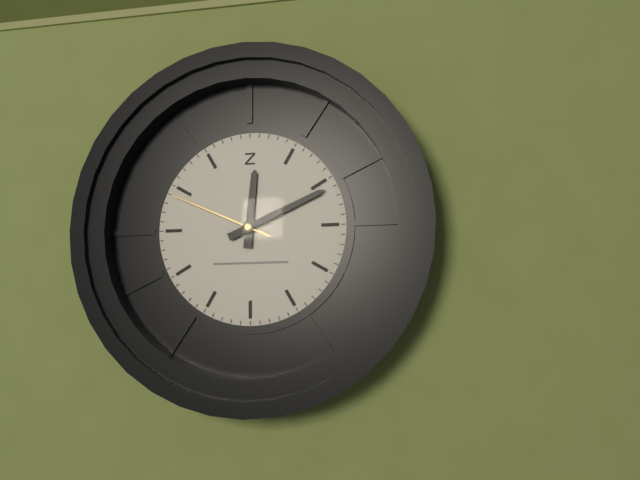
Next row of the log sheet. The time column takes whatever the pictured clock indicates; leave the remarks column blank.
12:11:49
